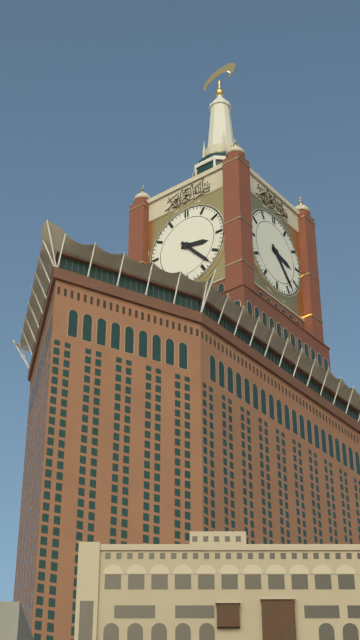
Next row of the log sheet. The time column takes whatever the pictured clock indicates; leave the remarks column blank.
3:23
